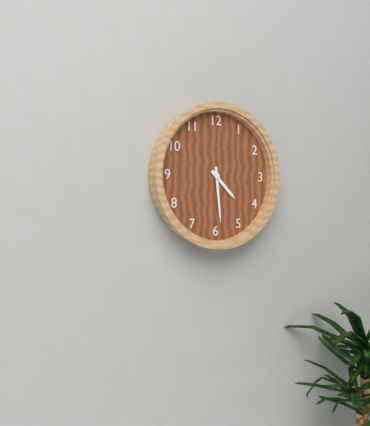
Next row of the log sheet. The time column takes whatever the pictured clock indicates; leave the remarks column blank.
4:29
